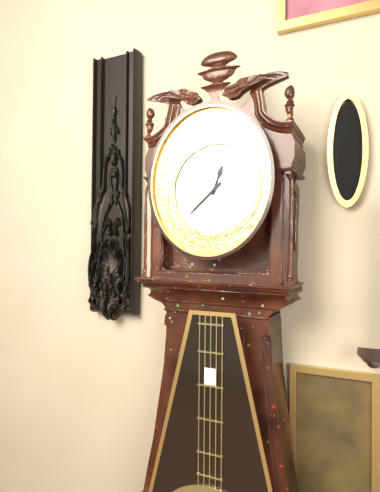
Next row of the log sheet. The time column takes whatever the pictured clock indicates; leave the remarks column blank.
12:38
